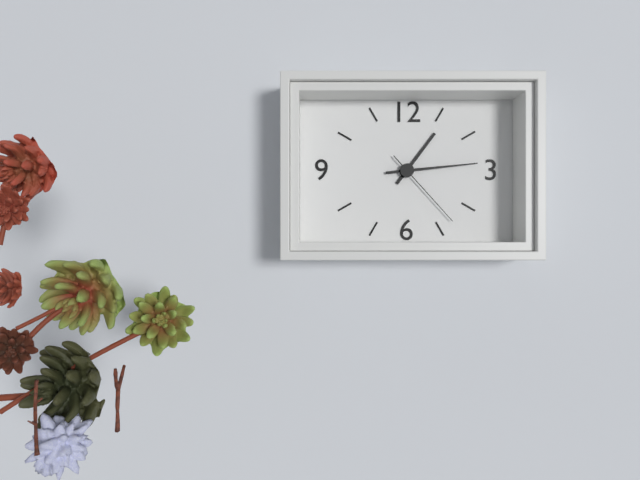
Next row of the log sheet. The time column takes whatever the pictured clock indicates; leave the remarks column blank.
1:14:23
